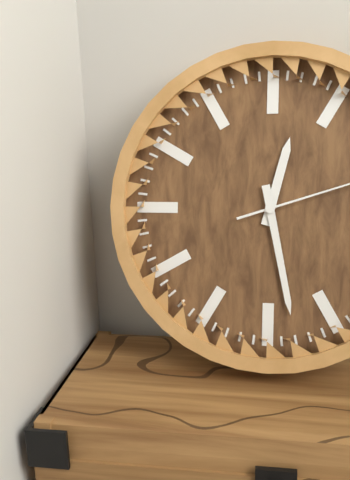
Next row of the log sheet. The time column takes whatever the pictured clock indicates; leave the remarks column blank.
12:28
